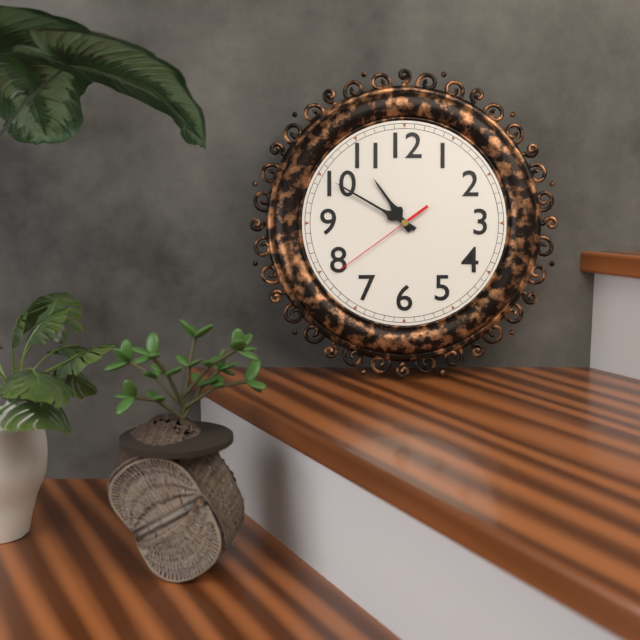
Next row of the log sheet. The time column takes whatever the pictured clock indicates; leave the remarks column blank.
10:50:39
